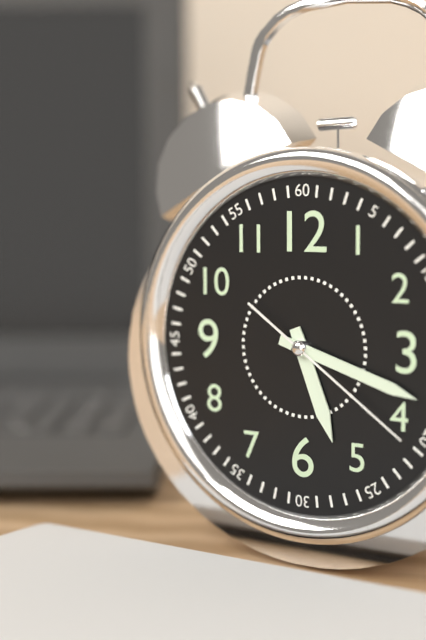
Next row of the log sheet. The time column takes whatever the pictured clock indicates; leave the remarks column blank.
5:18:21
